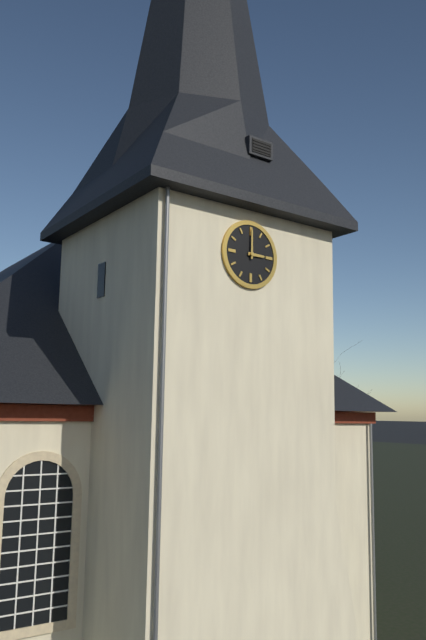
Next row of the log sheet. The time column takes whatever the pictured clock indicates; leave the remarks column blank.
3:00
